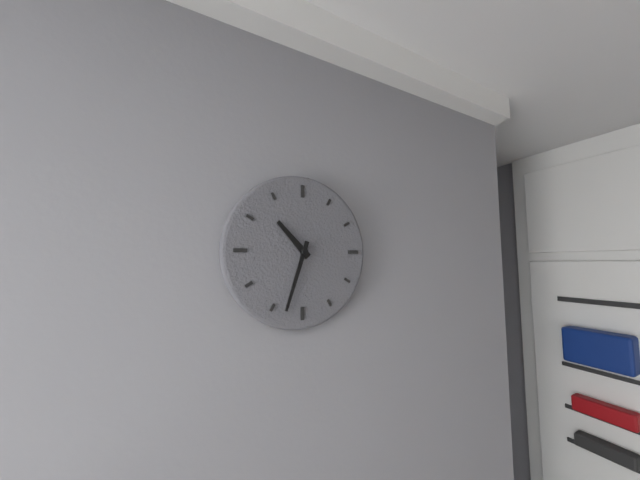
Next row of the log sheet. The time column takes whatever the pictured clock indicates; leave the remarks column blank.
10:33
